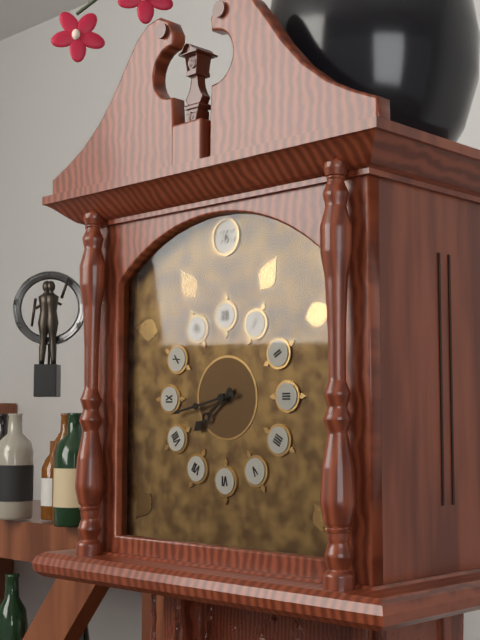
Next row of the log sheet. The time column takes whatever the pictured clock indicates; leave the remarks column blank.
7:43
